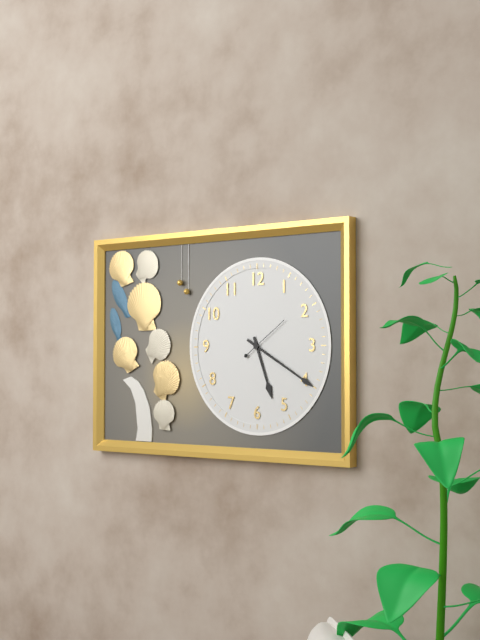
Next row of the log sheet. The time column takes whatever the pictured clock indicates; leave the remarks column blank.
5:20
